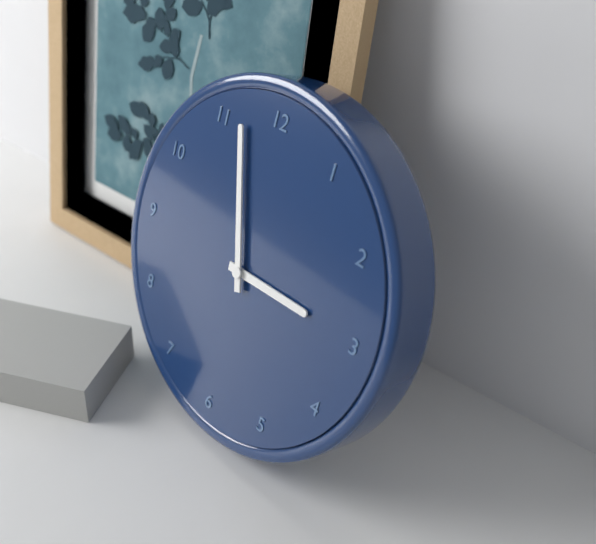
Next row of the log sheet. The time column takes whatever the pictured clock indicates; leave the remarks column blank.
2:57
